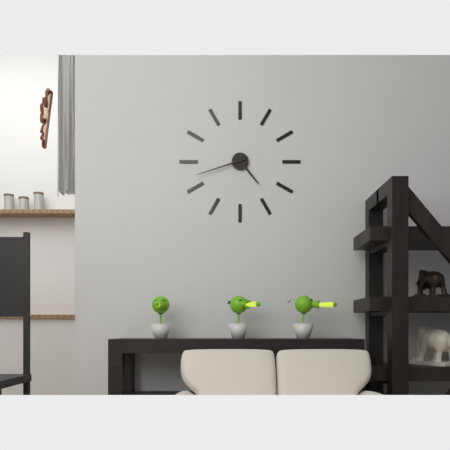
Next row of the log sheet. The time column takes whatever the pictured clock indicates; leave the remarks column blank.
4:42
